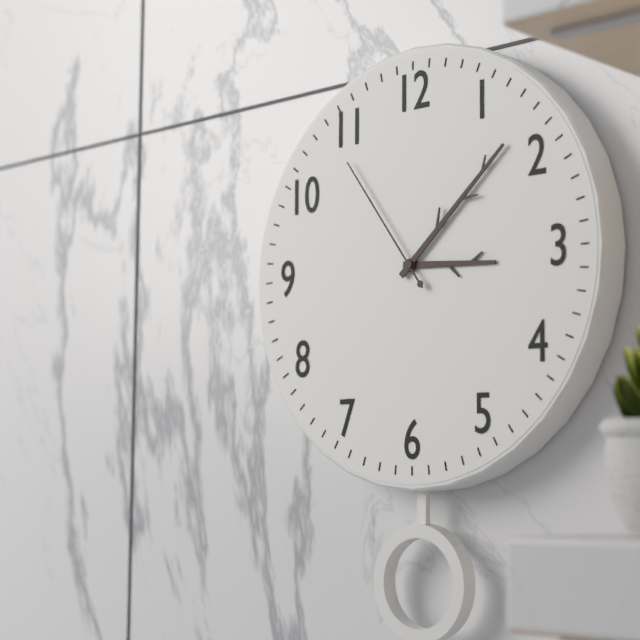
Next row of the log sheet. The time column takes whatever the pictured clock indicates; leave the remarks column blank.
3:08:54
